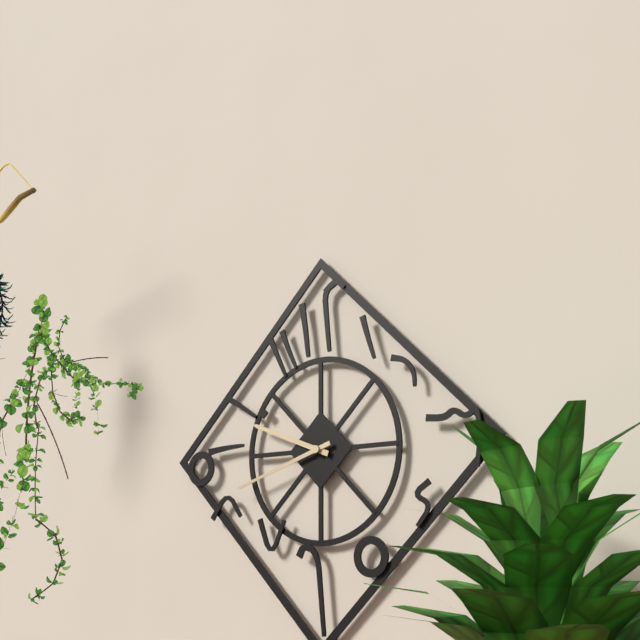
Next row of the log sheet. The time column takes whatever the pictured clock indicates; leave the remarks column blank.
9:42
